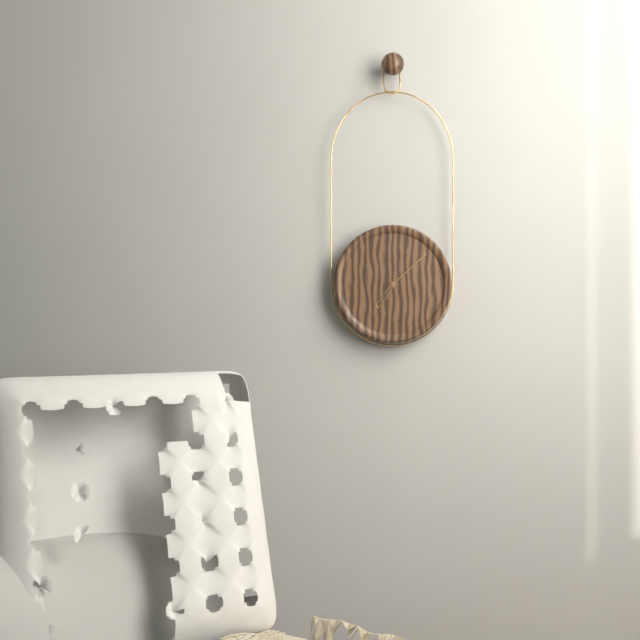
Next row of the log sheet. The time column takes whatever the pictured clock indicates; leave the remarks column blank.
7:08
